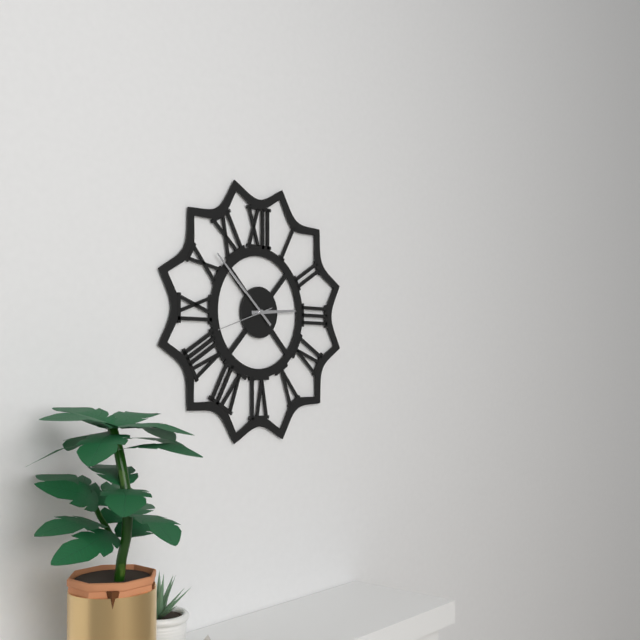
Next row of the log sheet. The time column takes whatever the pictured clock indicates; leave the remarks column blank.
2:52:42
